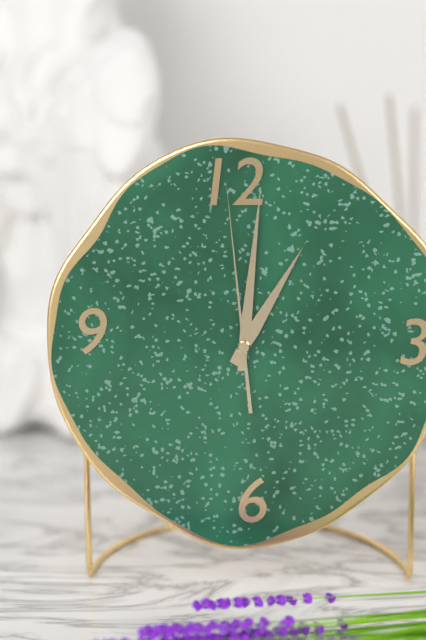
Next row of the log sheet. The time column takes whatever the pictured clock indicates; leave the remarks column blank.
1:01:59
